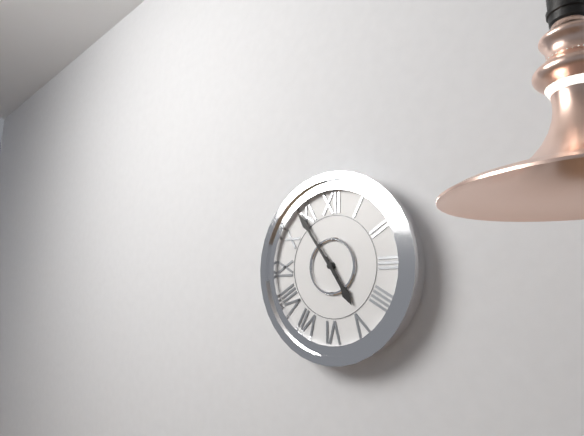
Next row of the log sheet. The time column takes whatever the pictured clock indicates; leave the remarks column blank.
4:54
